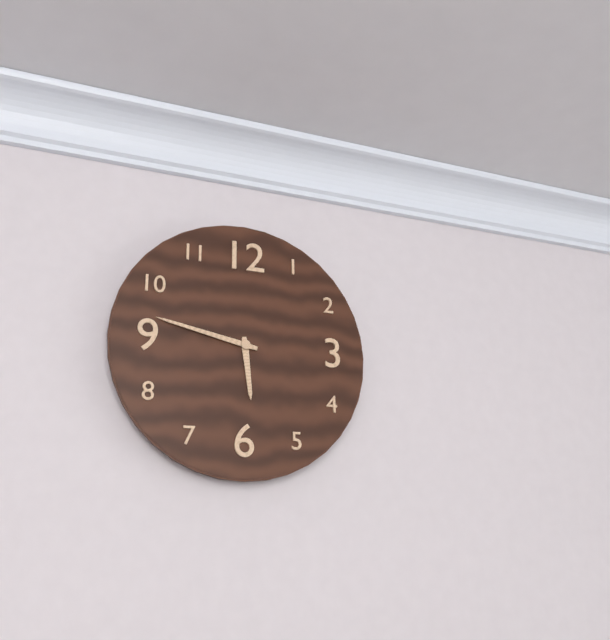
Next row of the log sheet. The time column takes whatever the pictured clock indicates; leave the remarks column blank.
5:47
